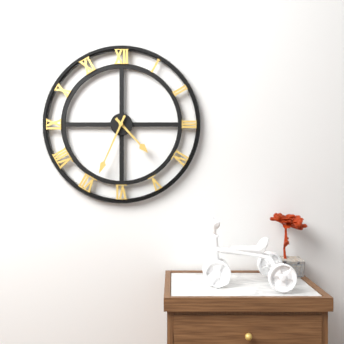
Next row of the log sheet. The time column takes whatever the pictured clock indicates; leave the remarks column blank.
4:34
